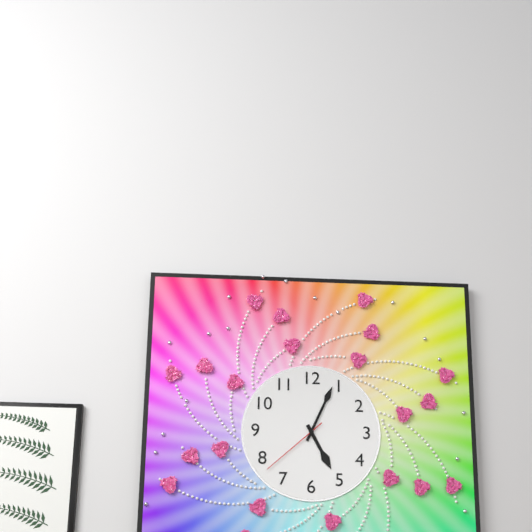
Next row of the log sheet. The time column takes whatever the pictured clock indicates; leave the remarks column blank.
5:04:38
